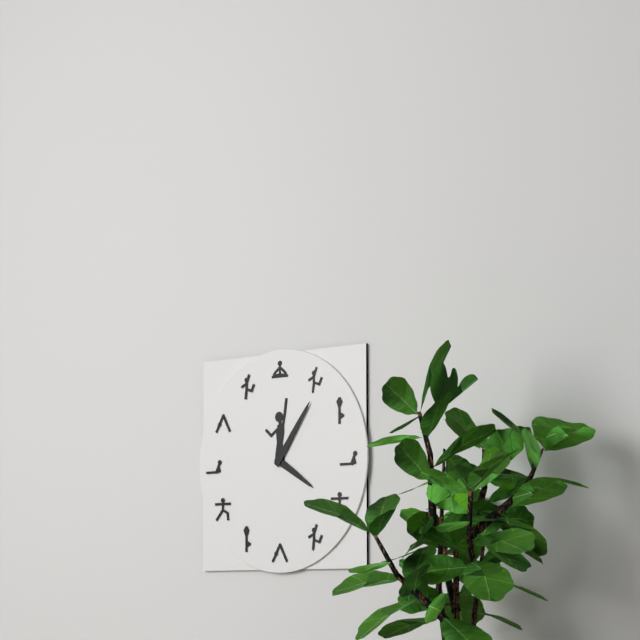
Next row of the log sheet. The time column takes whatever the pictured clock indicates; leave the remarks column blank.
4:06
